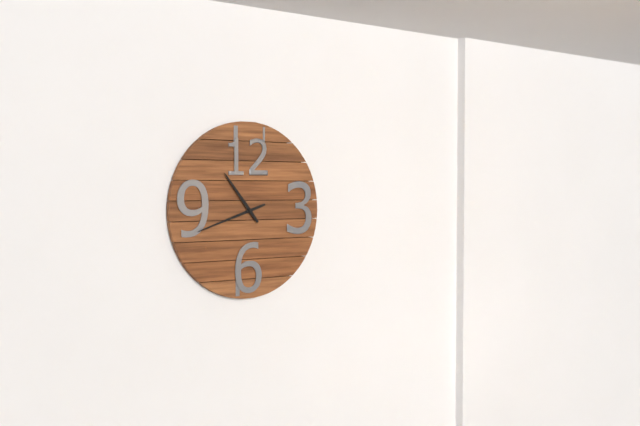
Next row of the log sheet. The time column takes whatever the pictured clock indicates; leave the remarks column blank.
10:42
